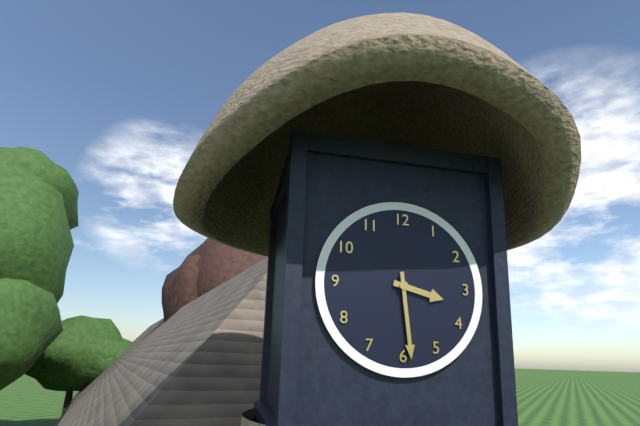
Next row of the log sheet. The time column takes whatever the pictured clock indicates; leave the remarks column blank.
3:29
